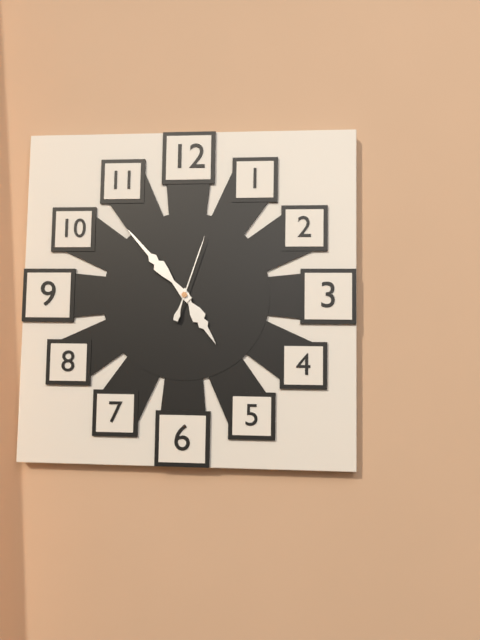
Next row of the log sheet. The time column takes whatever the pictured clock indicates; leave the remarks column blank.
4:53:03
